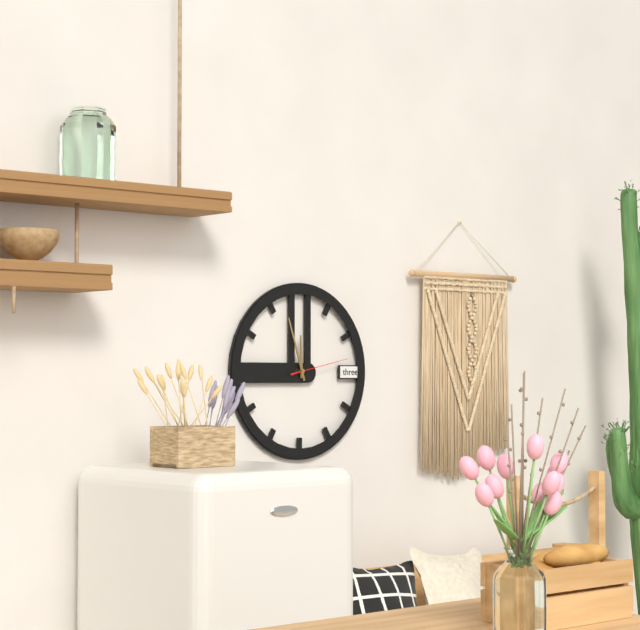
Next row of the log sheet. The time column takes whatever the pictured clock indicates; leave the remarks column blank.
11:57:13
